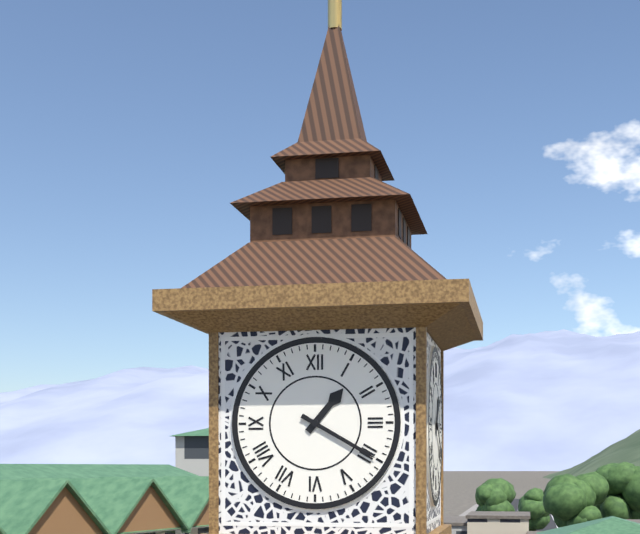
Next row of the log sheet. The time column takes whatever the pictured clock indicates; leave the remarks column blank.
1:20
